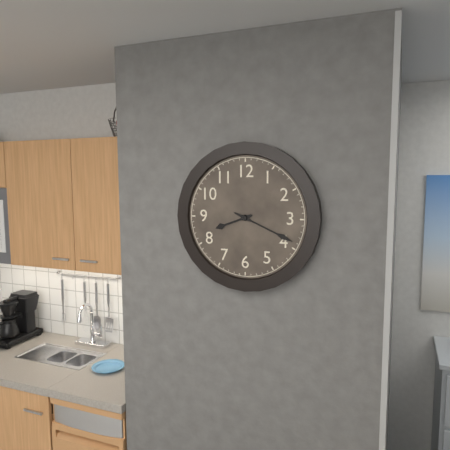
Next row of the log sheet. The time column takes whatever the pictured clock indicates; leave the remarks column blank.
8:19
